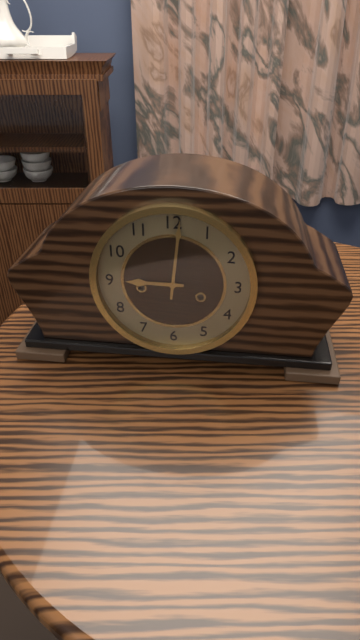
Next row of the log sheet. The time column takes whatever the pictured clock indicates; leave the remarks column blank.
9:01
